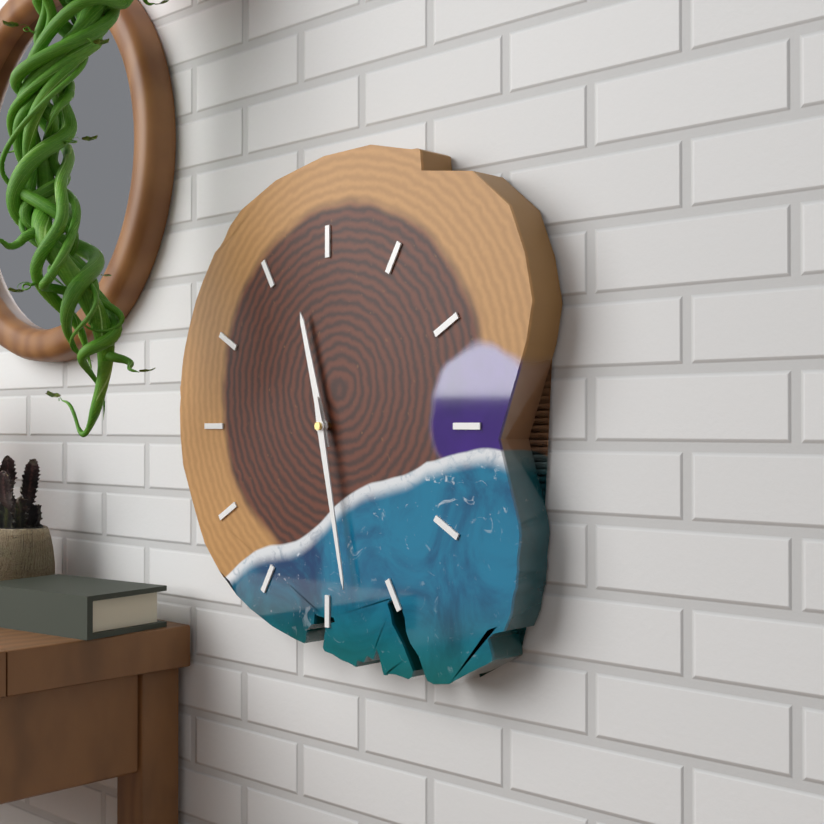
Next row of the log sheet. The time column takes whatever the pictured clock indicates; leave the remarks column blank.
11:28
